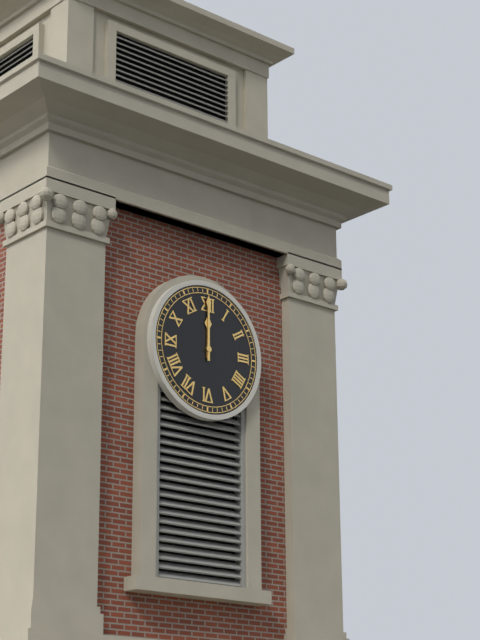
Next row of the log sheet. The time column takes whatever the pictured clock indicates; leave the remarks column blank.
12:00
